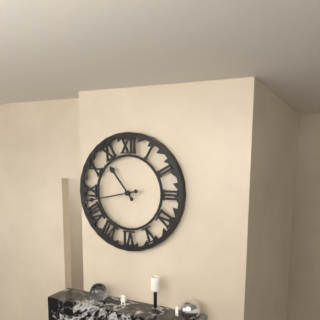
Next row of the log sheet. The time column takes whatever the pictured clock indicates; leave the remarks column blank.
10:43
